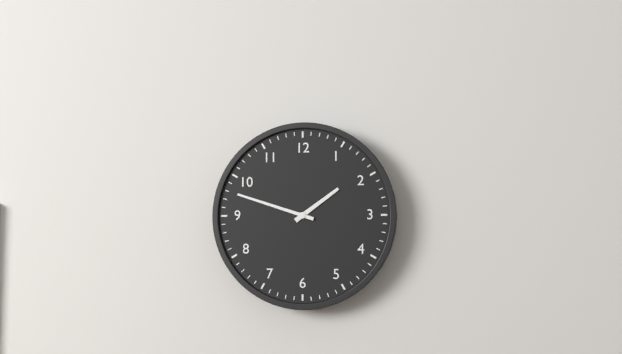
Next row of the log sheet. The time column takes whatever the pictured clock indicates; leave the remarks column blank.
1:48
